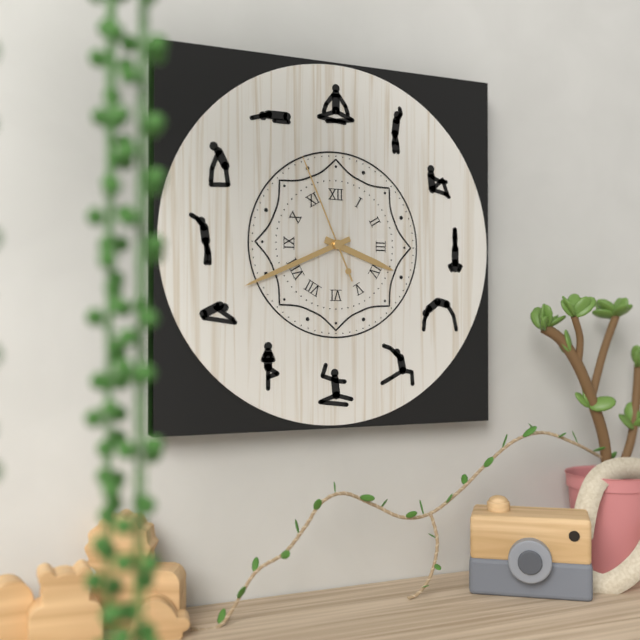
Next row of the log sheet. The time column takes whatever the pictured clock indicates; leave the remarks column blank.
3:41:56
